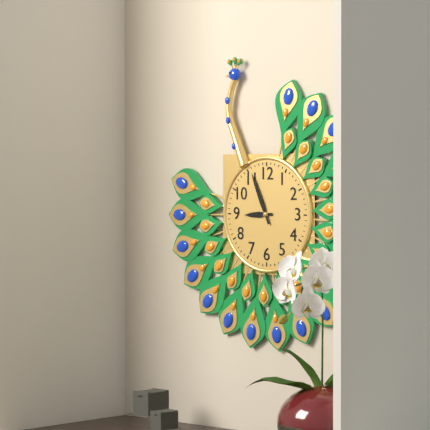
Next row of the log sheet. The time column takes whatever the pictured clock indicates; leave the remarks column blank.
8:56
